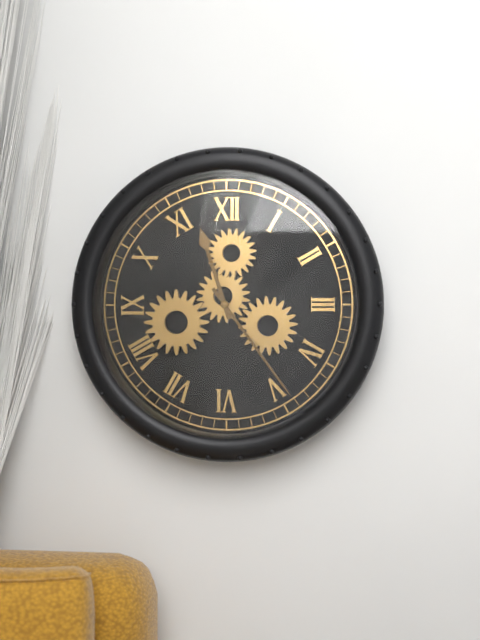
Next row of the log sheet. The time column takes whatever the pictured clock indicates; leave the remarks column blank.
11:24
